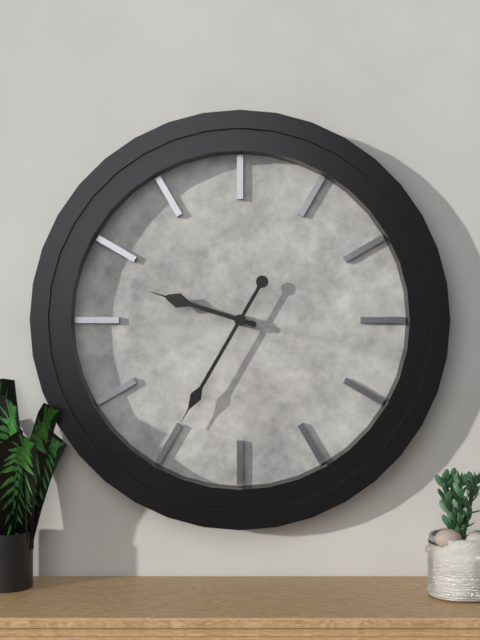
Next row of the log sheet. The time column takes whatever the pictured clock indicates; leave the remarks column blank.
9:35
